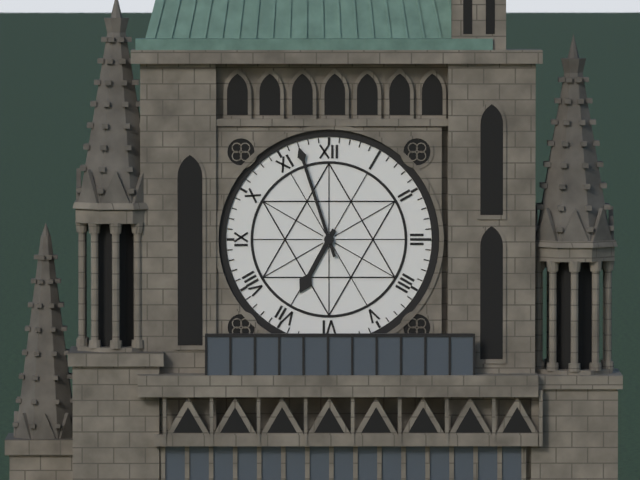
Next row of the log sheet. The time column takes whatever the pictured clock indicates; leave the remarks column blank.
6:57
